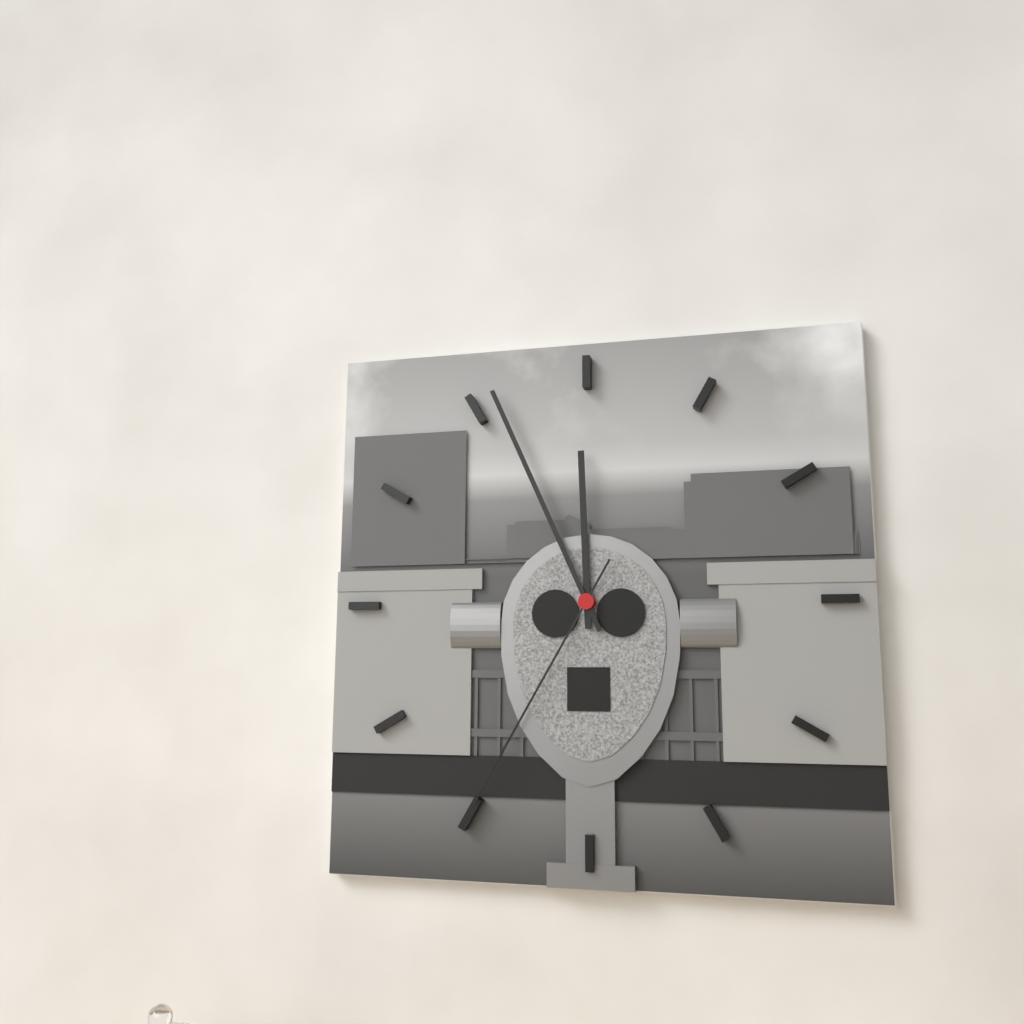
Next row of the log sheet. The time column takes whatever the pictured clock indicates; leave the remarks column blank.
11:56:35
